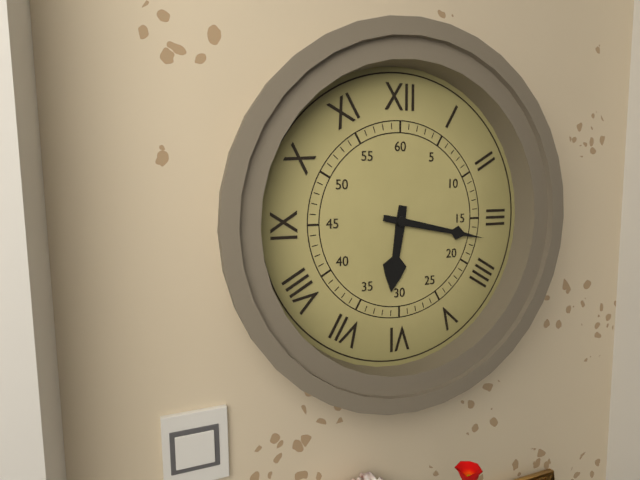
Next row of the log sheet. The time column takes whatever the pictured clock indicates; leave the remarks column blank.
6:17
